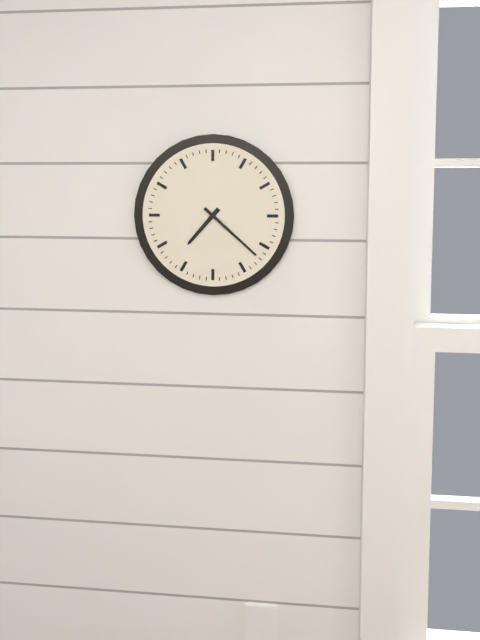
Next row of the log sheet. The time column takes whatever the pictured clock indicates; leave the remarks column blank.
7:22
